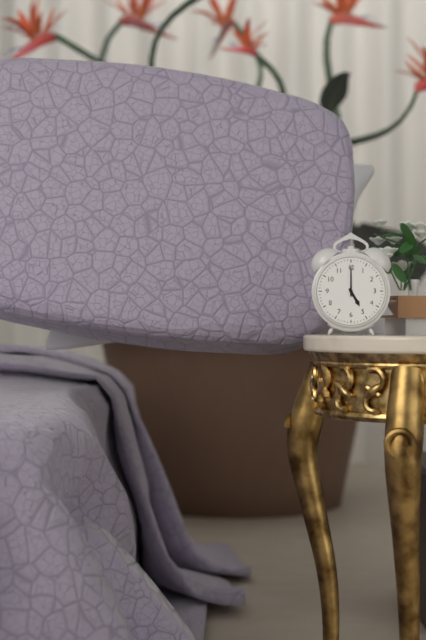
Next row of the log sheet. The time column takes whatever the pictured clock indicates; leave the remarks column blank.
5:00
